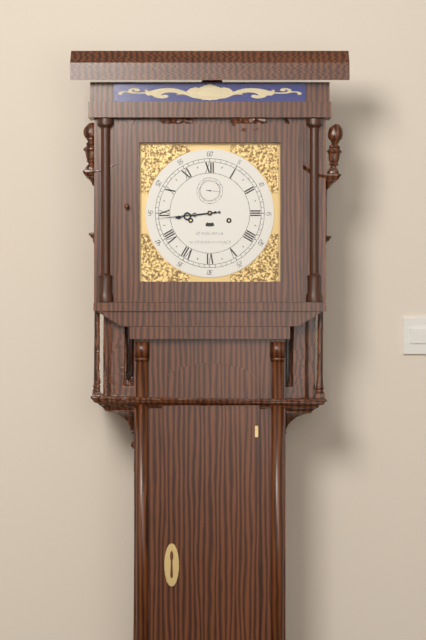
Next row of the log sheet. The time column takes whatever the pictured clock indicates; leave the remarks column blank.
8:44
